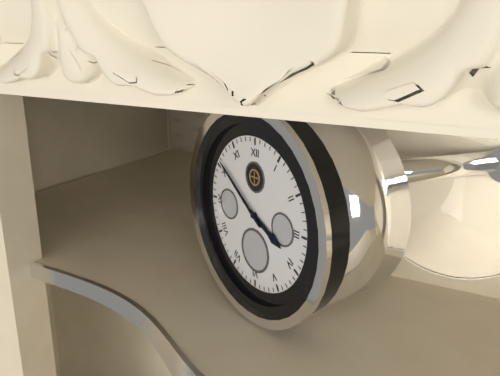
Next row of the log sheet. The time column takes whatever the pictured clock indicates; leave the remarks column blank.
3:51
